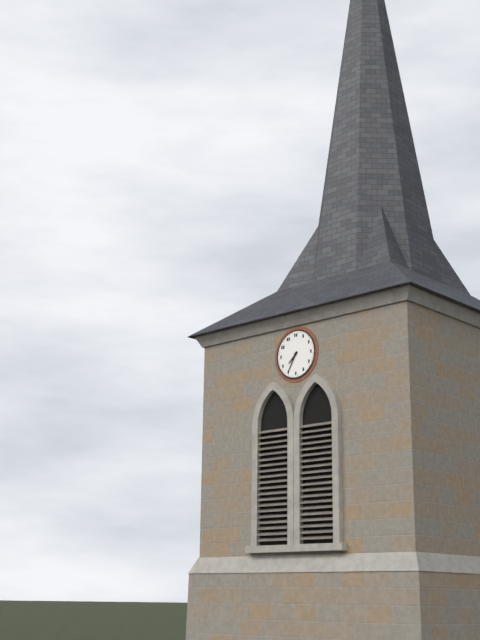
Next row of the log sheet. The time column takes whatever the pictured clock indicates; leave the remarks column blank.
7:35
